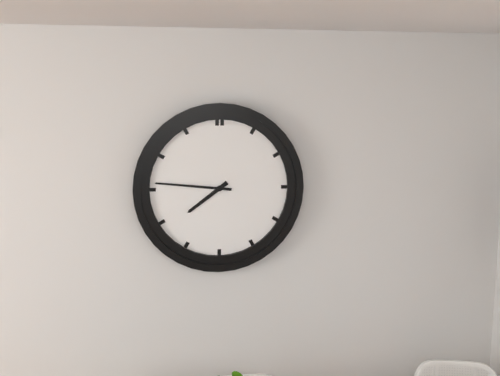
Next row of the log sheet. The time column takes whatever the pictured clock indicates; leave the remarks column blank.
7:46
